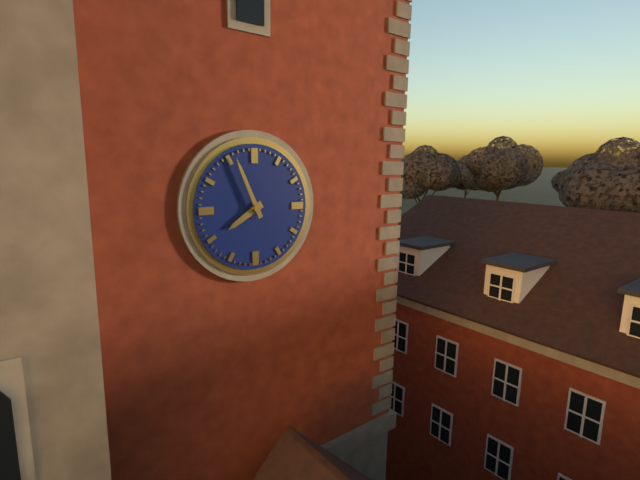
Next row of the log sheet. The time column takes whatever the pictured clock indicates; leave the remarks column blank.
7:56
